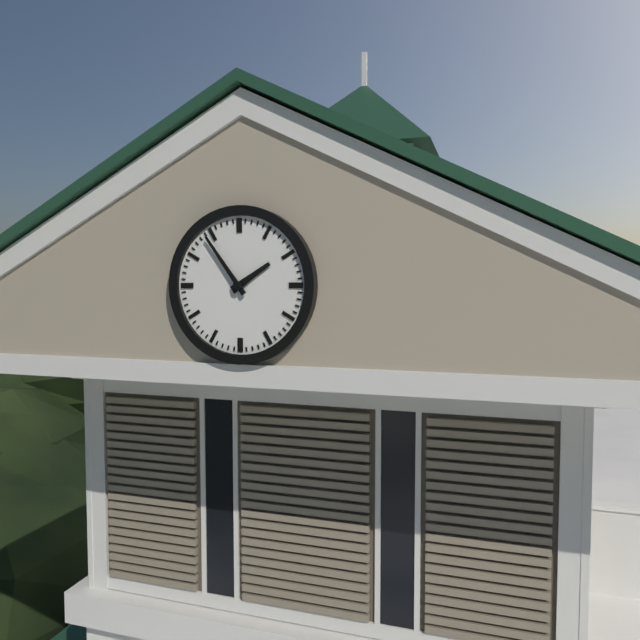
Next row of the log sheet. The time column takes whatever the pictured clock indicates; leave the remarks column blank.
1:54
